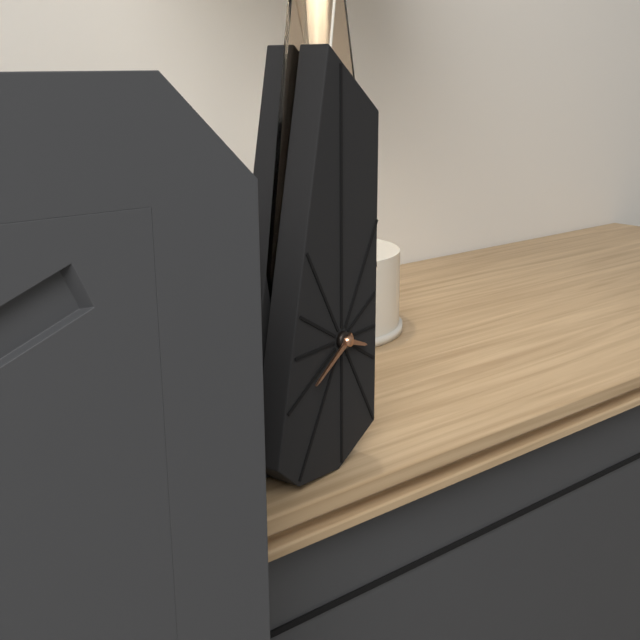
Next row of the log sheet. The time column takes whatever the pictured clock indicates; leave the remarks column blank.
3:40
